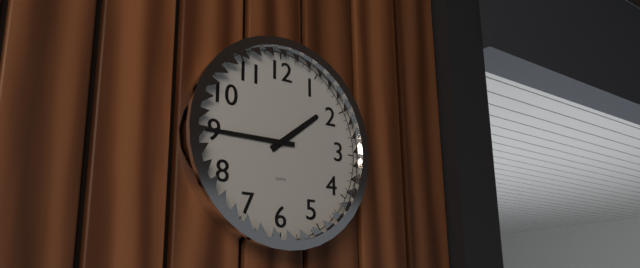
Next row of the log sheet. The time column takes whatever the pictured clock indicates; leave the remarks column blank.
1:45
